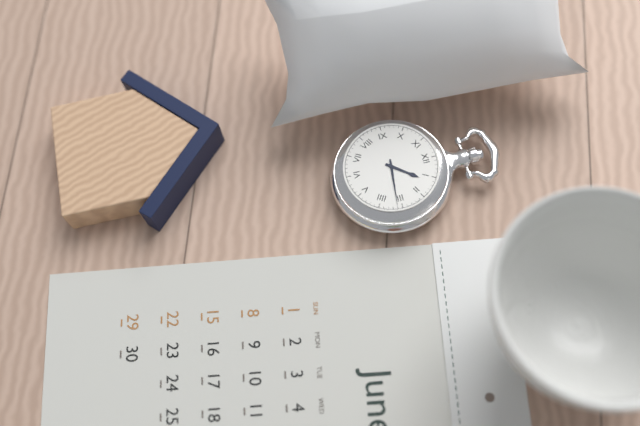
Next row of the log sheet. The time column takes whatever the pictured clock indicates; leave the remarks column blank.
1:16
